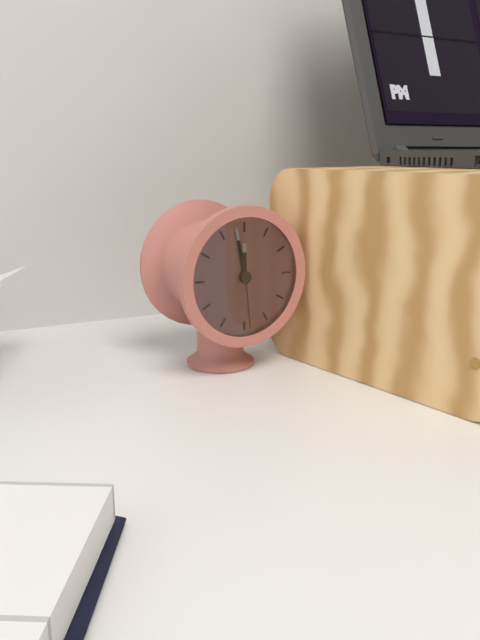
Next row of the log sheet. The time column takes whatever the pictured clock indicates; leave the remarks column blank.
11:58:29
